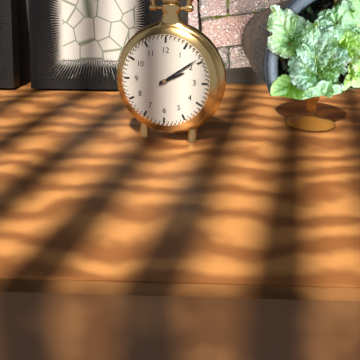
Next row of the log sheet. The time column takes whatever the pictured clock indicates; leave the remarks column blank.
2:09
